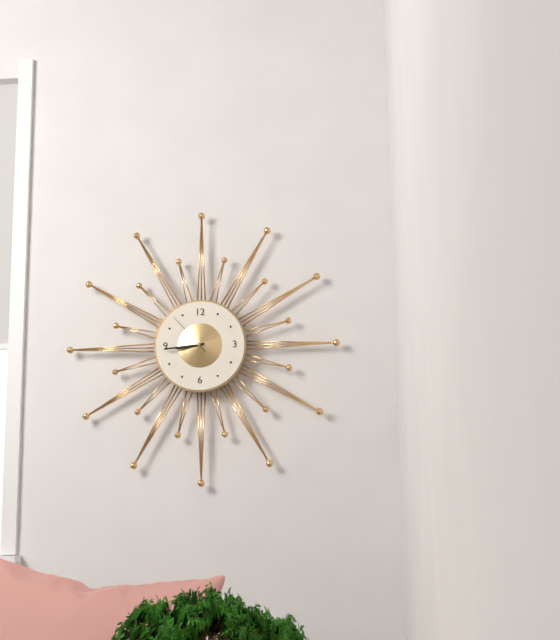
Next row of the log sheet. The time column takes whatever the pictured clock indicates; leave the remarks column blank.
8:44
